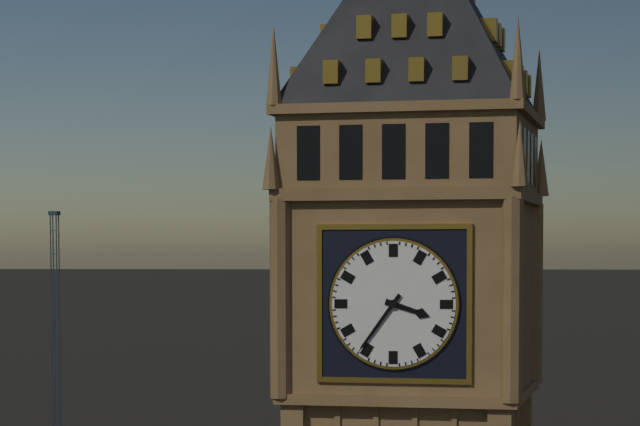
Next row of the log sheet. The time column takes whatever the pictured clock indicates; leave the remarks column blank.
3:36
